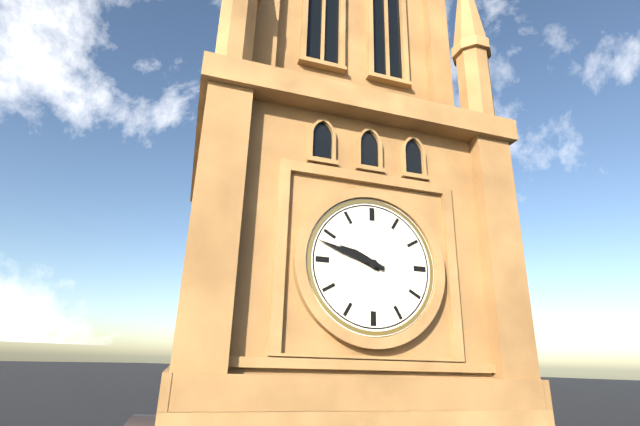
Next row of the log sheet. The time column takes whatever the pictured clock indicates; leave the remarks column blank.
9:48
